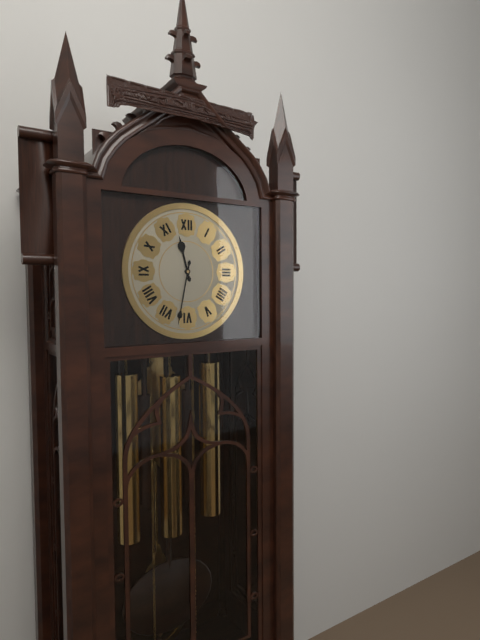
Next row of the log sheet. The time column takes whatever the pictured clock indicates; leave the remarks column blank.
11:32
